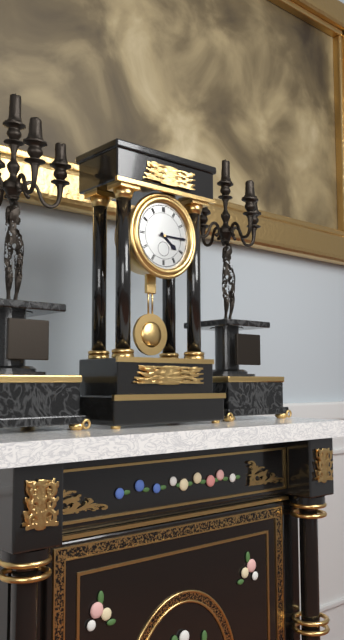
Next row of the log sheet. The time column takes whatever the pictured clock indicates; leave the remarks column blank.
4:15
